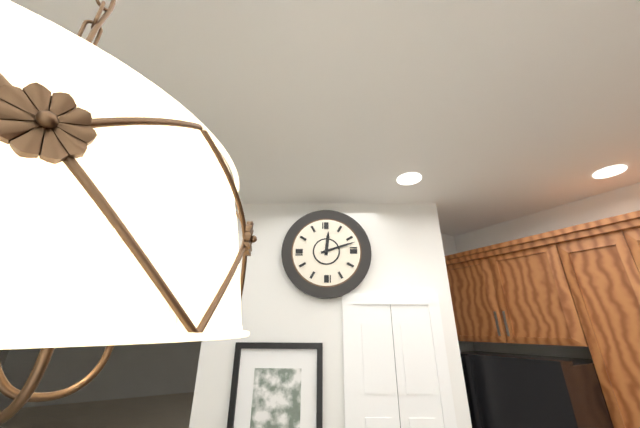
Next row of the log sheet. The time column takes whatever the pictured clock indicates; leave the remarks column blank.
12:12
